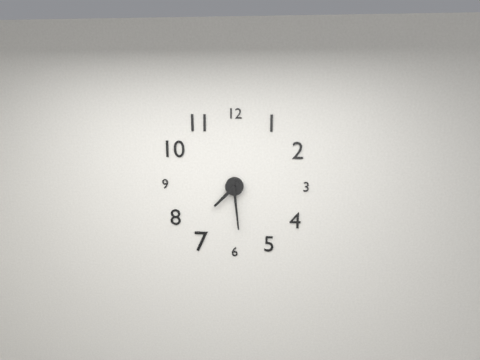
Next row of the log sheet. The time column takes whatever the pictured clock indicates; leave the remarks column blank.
7:29
